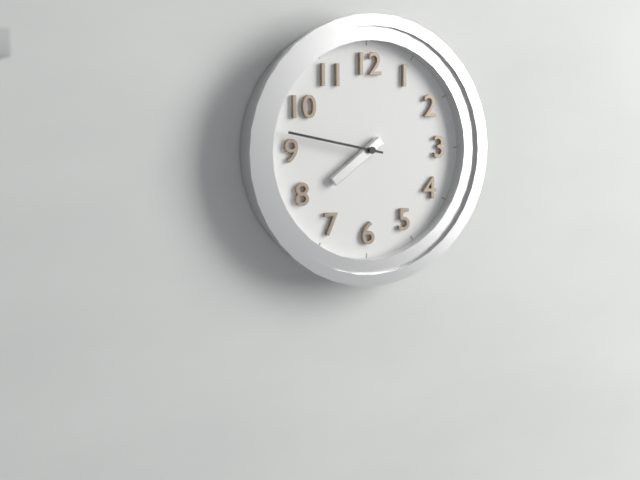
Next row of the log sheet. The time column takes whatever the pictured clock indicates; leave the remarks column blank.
7:47
